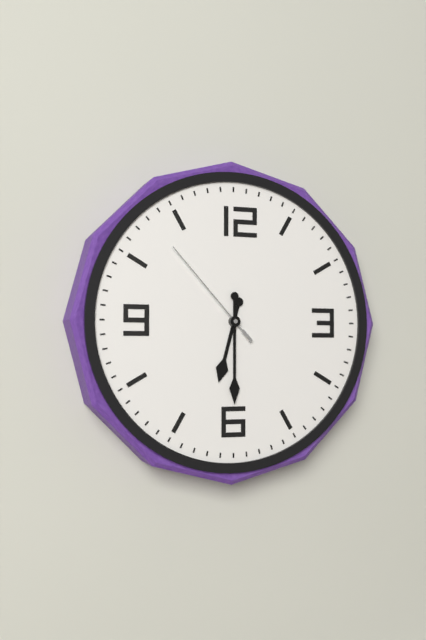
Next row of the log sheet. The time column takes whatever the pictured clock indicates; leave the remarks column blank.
6:30:53
